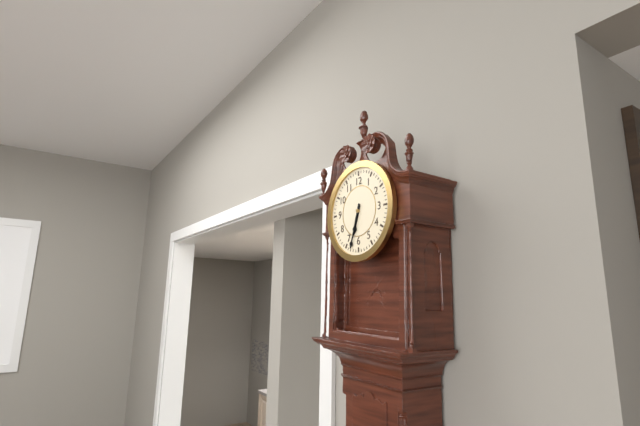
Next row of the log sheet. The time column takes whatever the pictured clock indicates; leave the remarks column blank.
6:33
